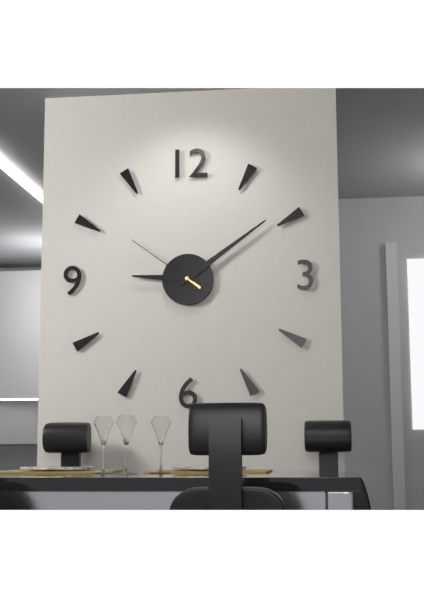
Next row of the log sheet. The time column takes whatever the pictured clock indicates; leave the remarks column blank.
9:09:51
